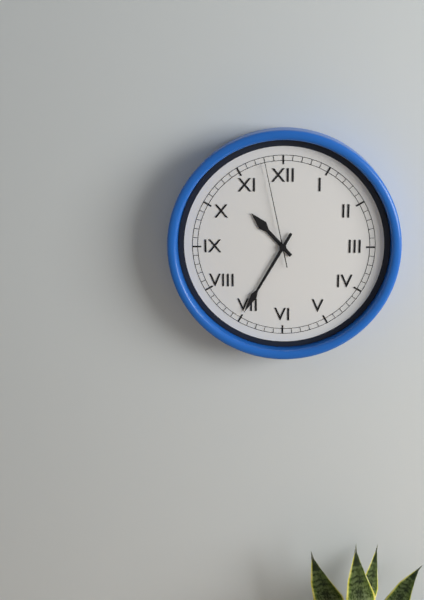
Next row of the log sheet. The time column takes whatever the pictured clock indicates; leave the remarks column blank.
10:35:58
